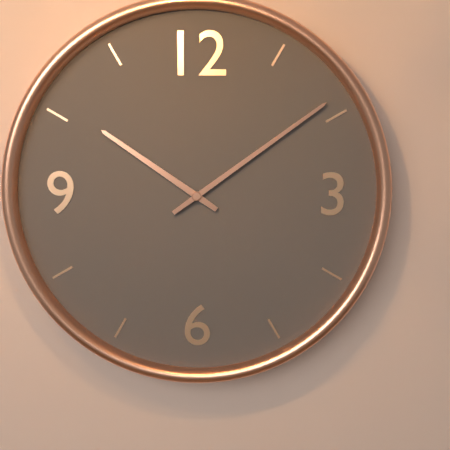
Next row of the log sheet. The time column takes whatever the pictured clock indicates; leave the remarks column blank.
10:09
